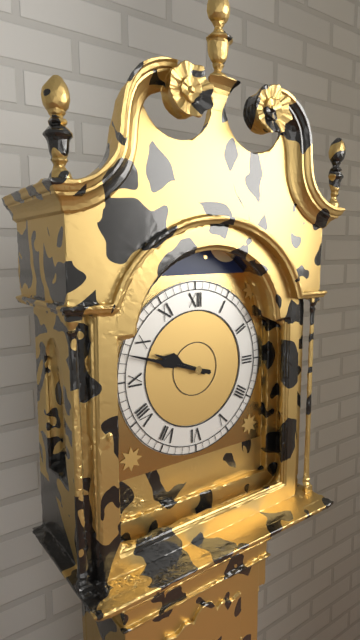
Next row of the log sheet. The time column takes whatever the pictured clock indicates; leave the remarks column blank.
9:48
